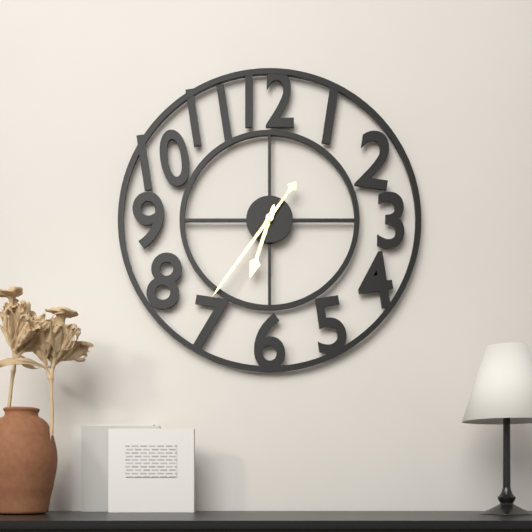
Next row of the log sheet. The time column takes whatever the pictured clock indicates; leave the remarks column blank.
6:36
